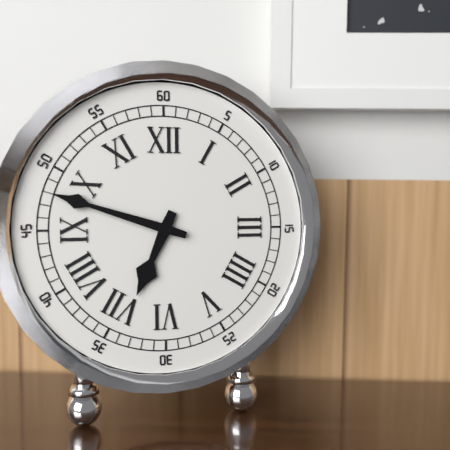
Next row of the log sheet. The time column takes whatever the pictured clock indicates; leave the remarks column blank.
6:48
